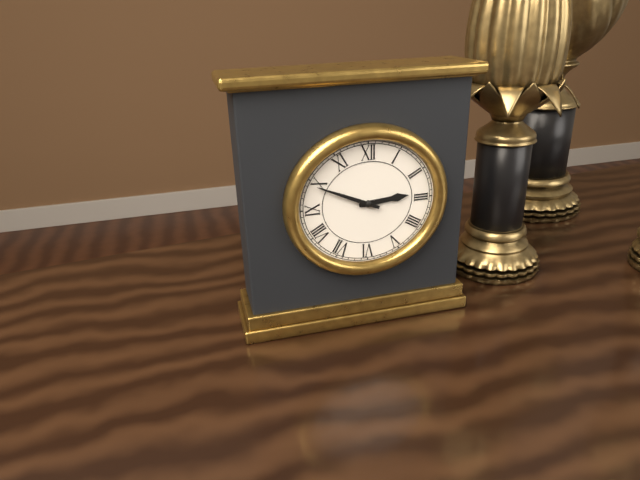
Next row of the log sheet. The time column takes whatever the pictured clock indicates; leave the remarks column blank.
2:49
